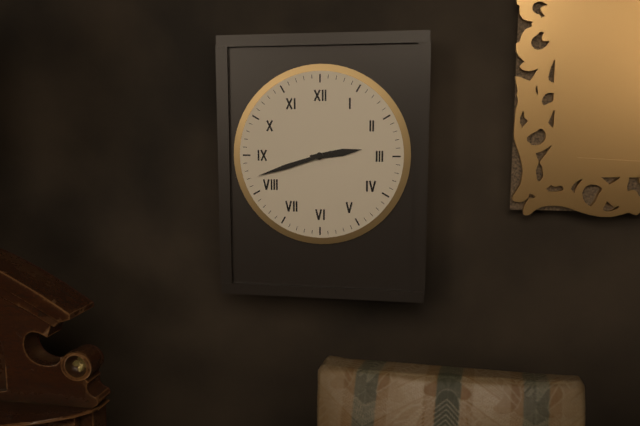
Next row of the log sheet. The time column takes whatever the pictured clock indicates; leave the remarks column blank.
2:42
